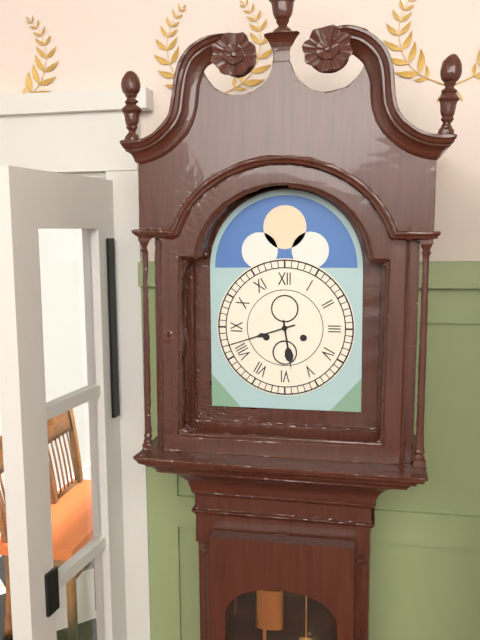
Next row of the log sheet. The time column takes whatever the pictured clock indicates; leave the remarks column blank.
5:42
